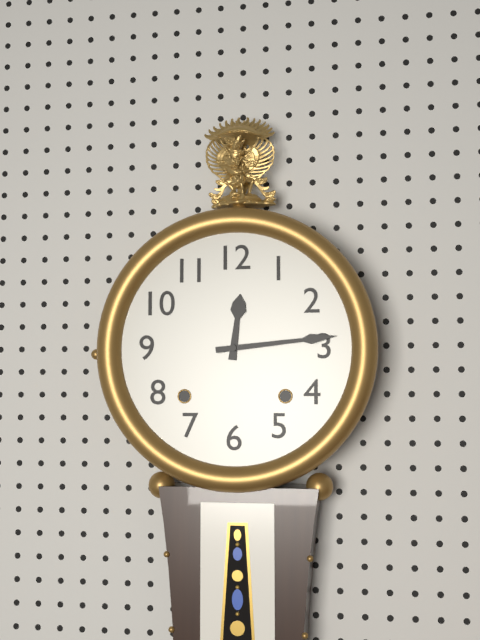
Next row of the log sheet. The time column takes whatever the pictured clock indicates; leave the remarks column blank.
12:14
